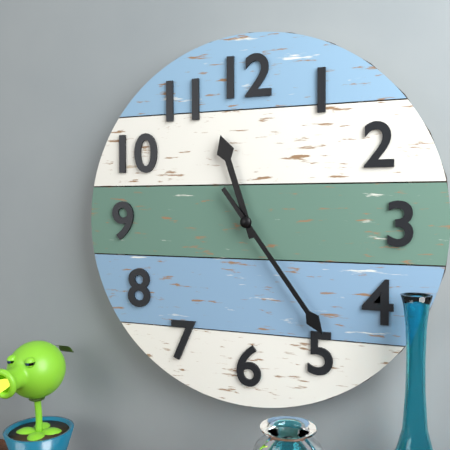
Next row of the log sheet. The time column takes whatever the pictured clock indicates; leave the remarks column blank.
11:24
